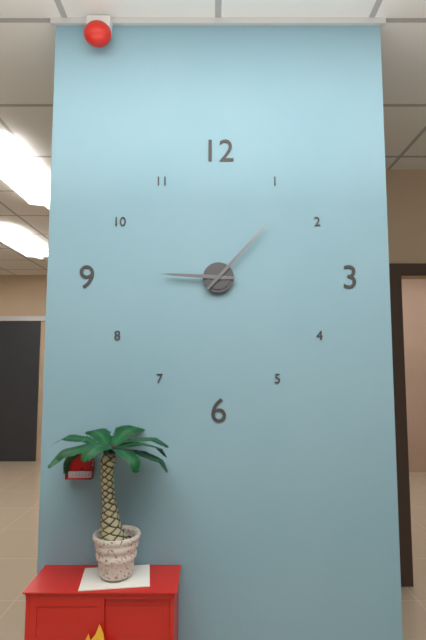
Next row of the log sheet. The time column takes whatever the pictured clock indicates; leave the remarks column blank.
9:07
